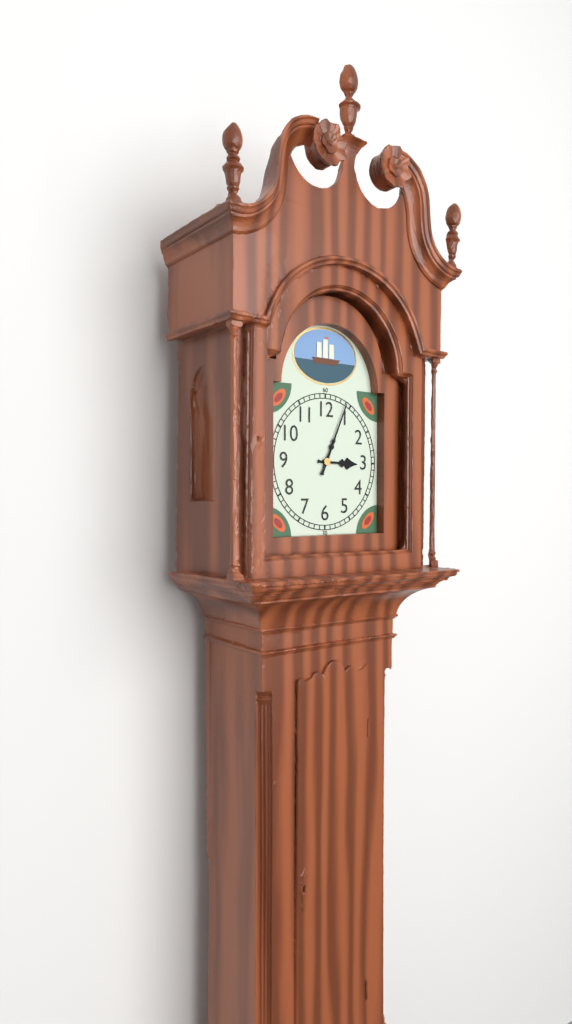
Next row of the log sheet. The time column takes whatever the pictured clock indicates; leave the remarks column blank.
3:04
